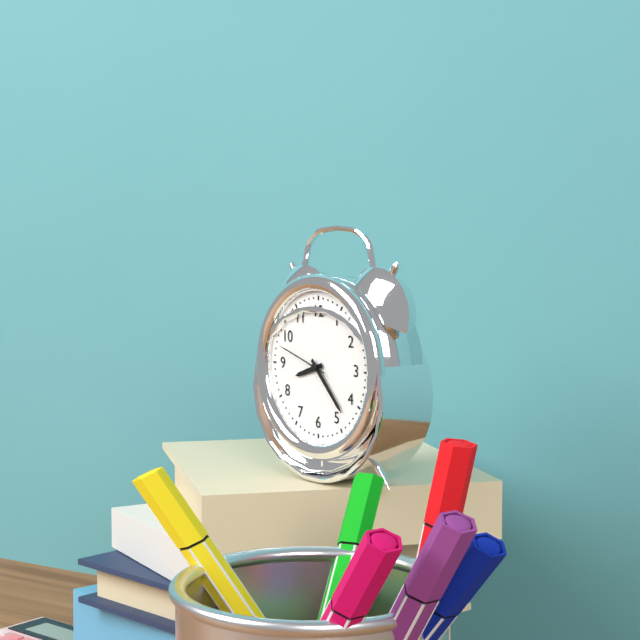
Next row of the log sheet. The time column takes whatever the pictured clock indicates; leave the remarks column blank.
8:23:48
